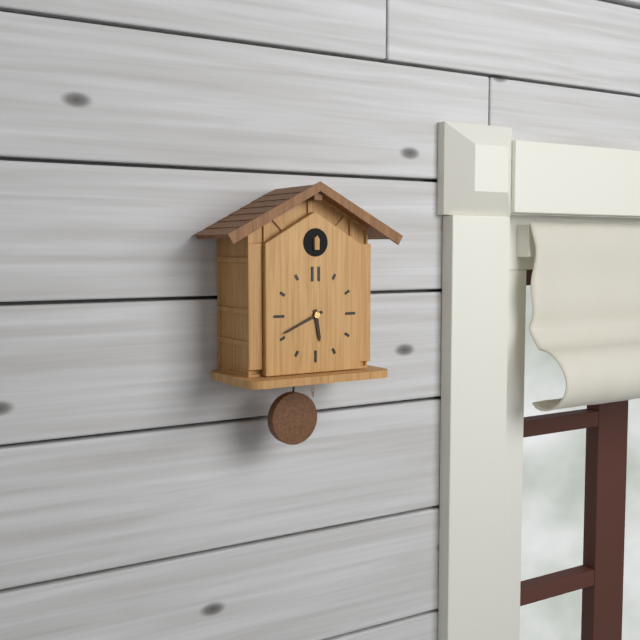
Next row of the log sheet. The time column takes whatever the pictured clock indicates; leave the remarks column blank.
5:41
